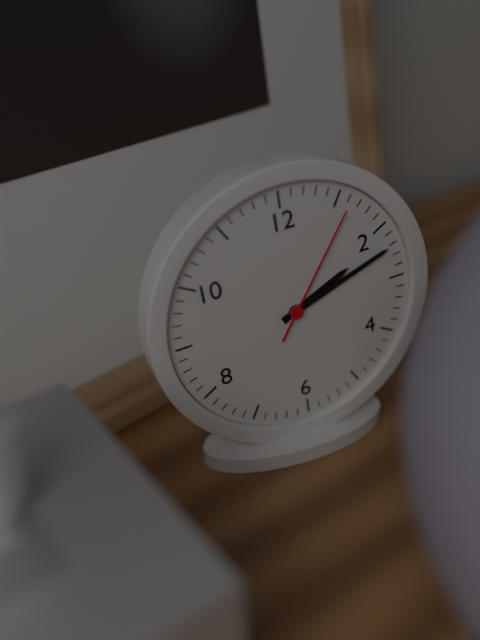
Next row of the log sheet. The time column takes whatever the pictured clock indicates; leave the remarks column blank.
2:12:06
